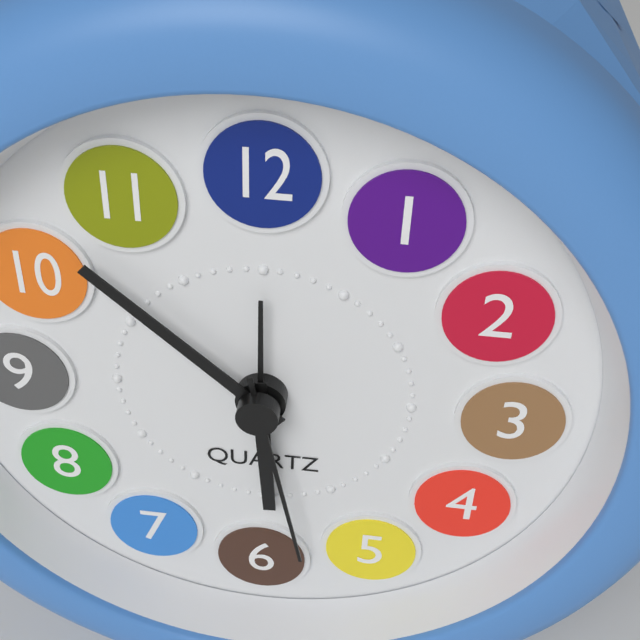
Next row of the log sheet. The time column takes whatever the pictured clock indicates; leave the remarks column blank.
5:52:28
